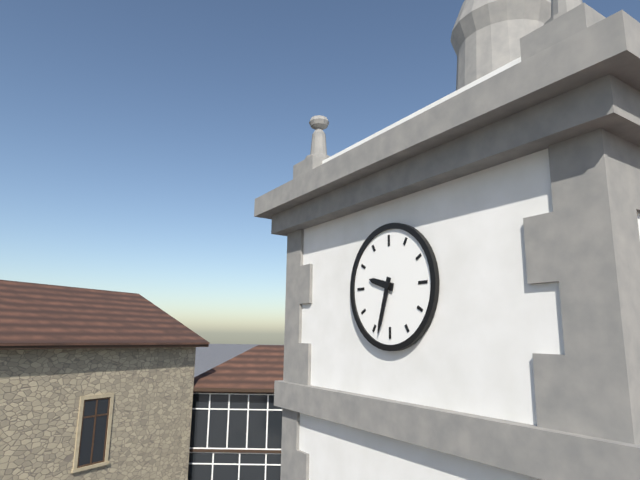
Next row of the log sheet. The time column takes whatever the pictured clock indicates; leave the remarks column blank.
9:33
